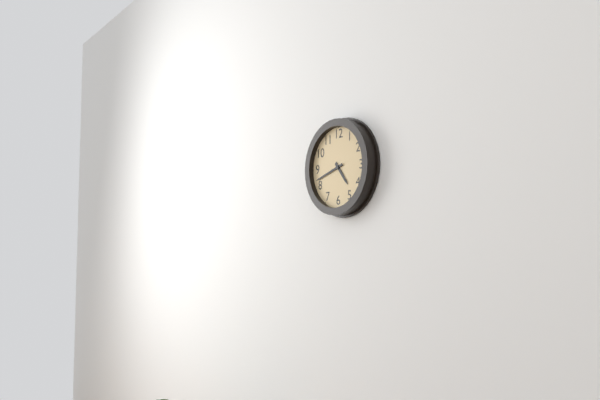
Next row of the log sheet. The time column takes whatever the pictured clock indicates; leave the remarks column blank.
4:42
